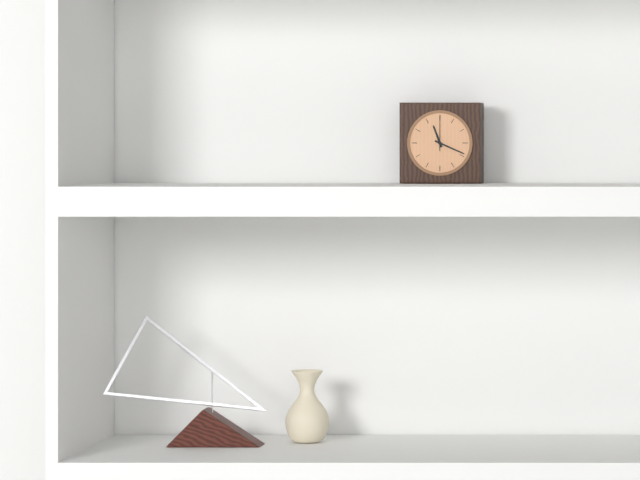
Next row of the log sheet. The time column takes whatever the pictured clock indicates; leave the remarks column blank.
11:19
